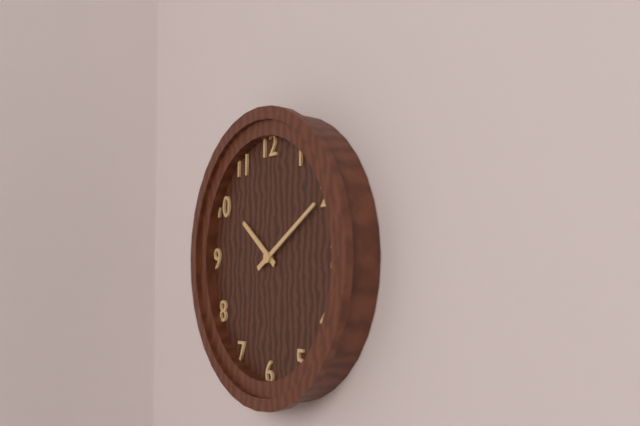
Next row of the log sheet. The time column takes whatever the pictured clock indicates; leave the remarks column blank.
10:10
